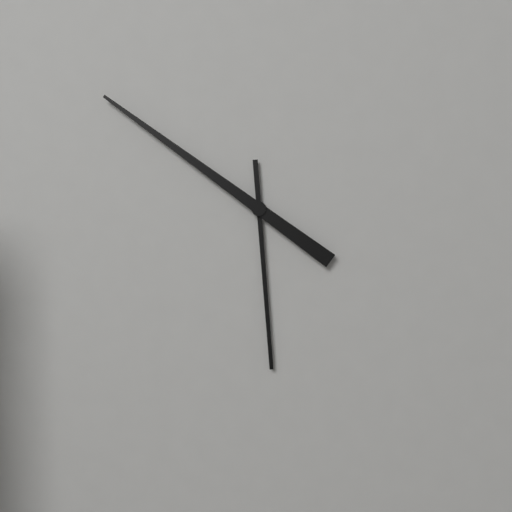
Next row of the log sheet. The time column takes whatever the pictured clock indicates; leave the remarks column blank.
5:51
